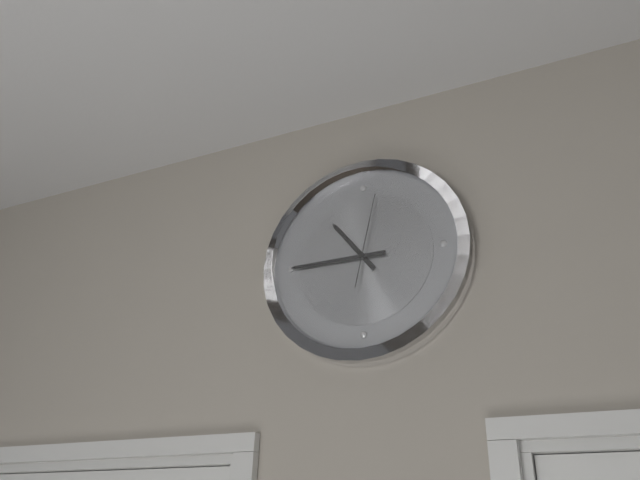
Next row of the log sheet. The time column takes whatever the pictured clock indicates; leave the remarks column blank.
10:45:02
